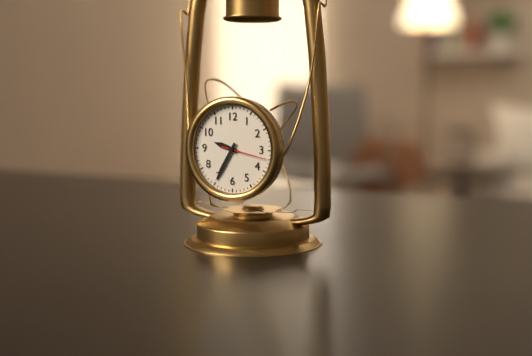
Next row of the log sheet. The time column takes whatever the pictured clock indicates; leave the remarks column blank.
9:35
